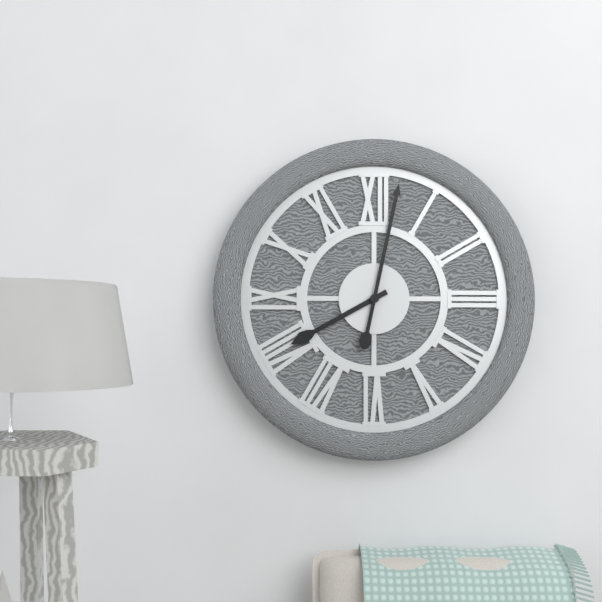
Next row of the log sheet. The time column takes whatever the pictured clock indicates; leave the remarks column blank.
8:02
